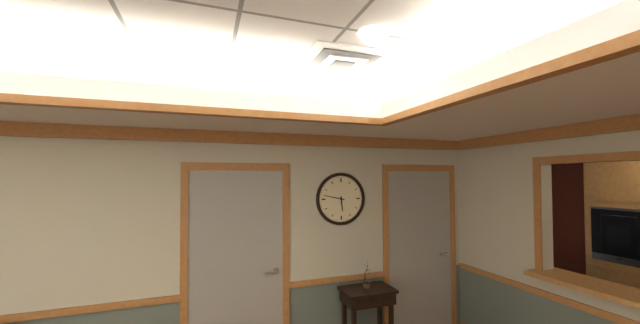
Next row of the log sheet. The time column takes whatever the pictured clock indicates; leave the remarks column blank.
5:47
